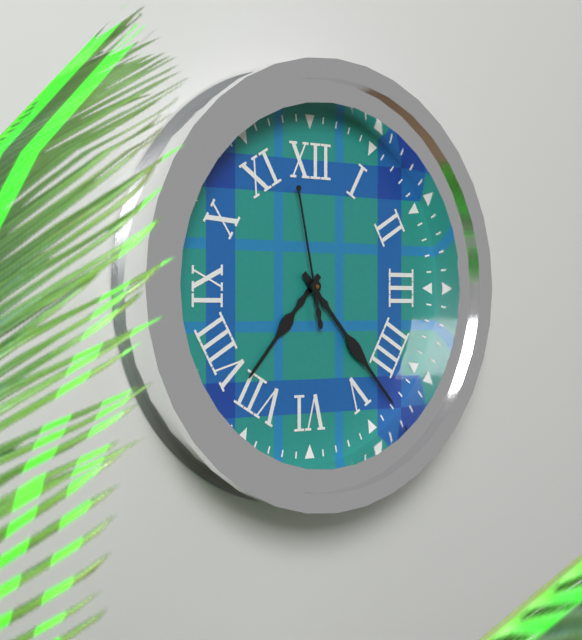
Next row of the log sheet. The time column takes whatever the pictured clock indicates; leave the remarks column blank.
7:23:58
